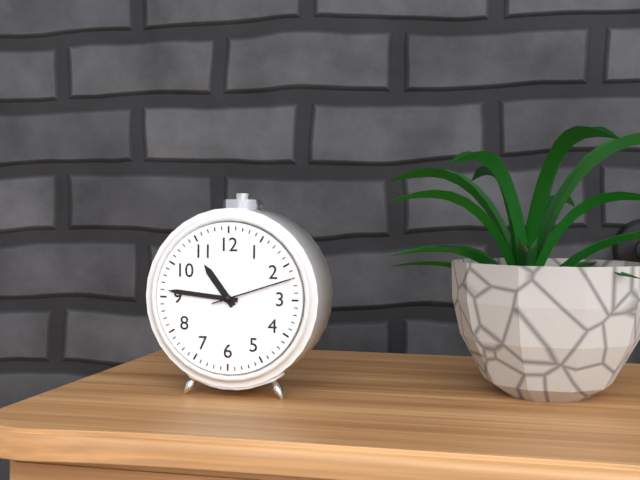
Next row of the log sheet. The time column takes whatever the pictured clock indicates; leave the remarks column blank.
10:46:12
